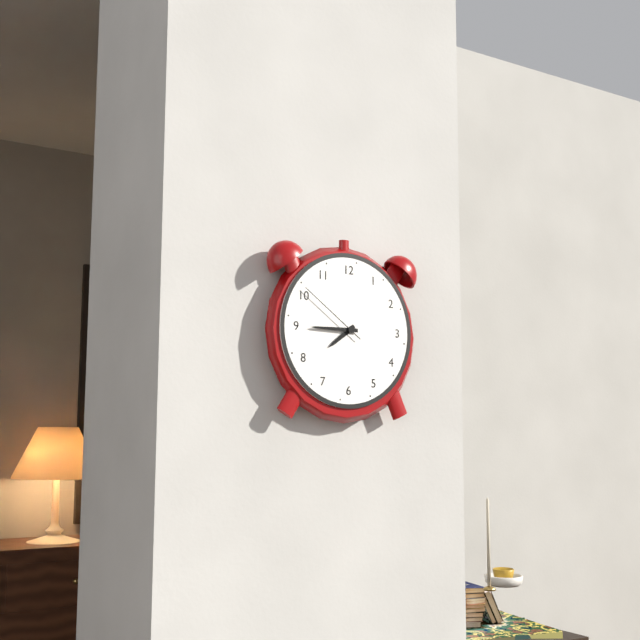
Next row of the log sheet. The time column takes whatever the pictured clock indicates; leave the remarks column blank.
7:45:51
